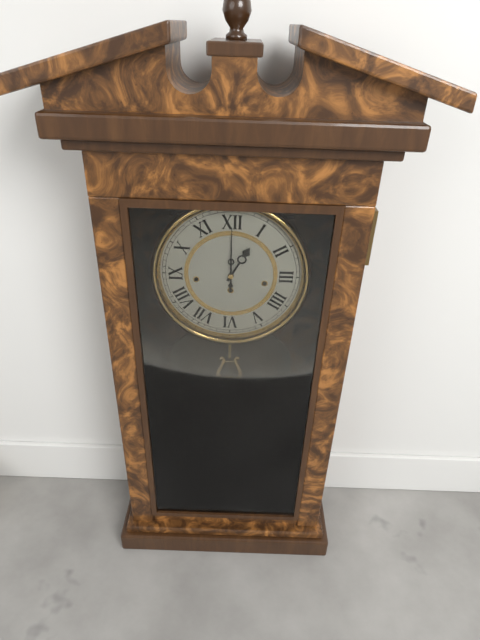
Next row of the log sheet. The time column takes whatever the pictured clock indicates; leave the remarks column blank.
1:00
